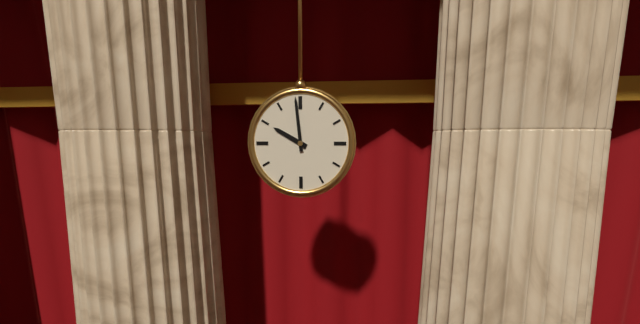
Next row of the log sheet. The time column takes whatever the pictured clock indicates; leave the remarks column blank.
9:59
